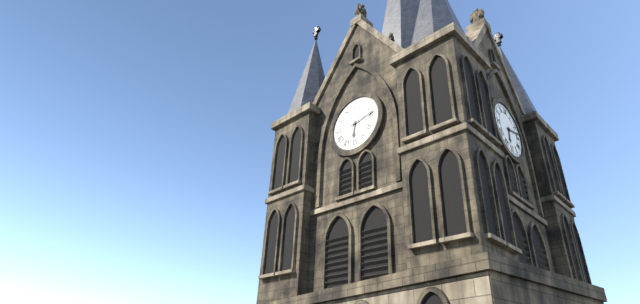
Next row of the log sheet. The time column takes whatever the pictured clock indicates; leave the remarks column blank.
6:13
